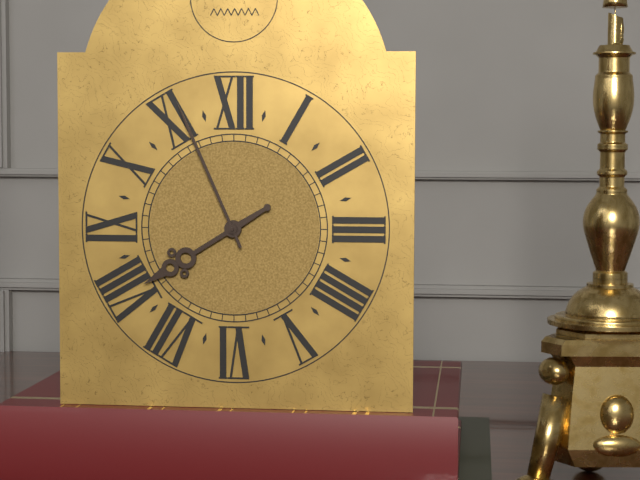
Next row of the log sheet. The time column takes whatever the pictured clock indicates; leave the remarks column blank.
7:56
